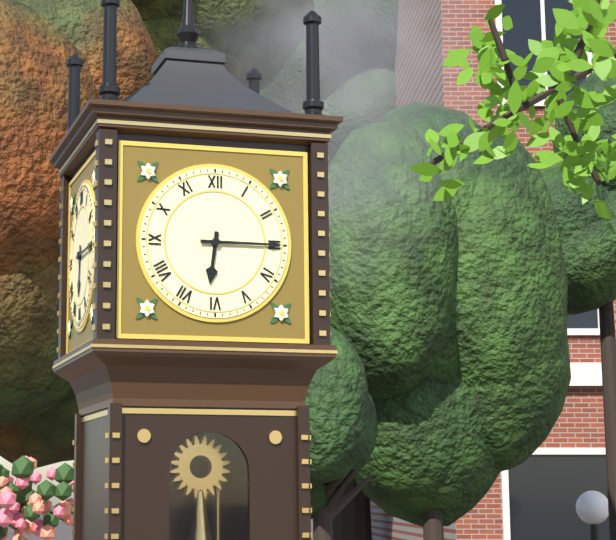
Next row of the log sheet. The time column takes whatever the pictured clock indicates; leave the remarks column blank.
6:15
